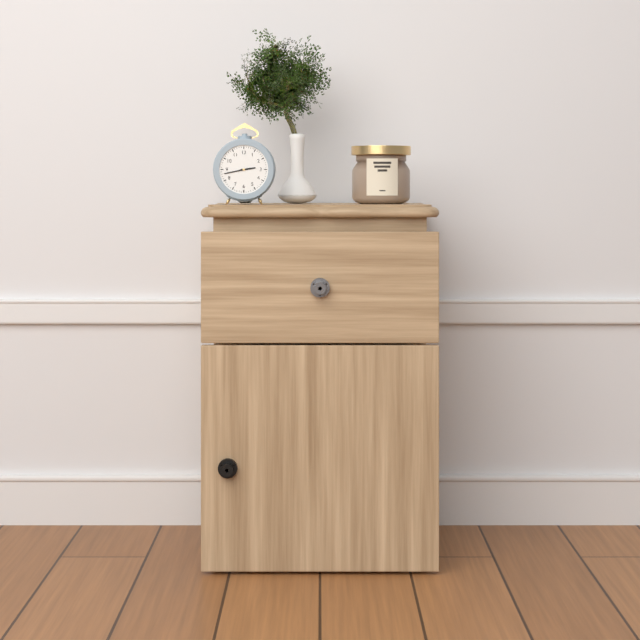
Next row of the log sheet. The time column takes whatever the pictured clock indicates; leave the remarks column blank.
2:43
